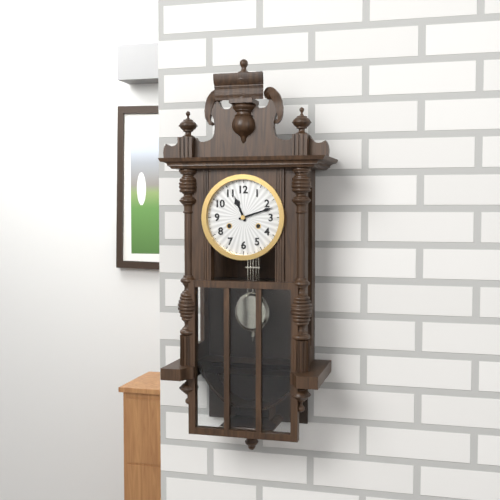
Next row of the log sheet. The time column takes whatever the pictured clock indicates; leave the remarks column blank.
11:12
